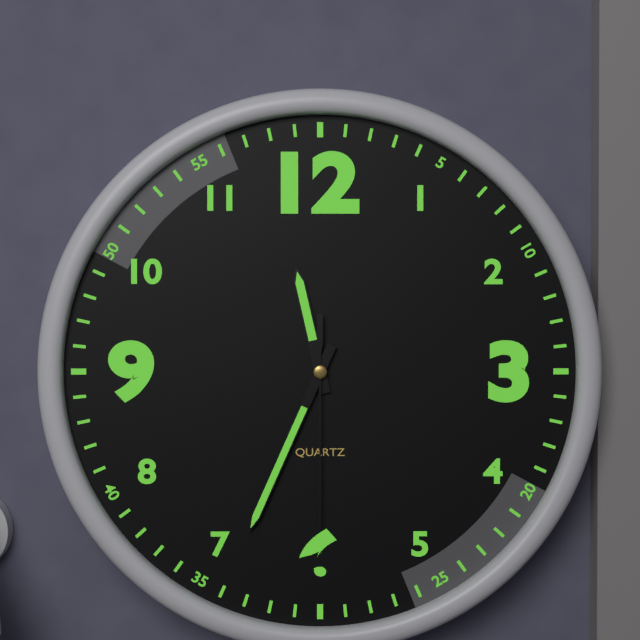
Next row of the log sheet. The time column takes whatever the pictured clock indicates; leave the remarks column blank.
11:34:30
